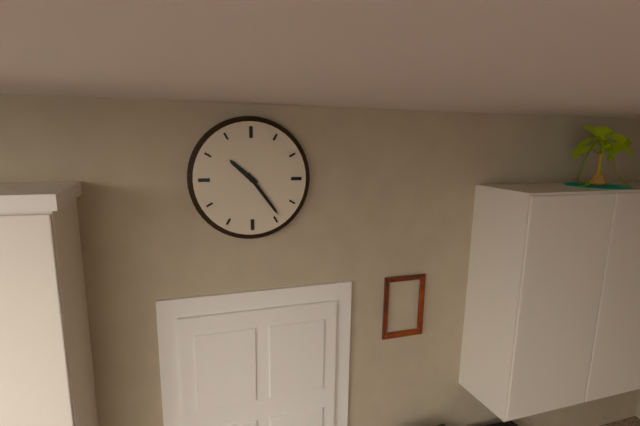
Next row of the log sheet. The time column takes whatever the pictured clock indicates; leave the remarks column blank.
10:24
